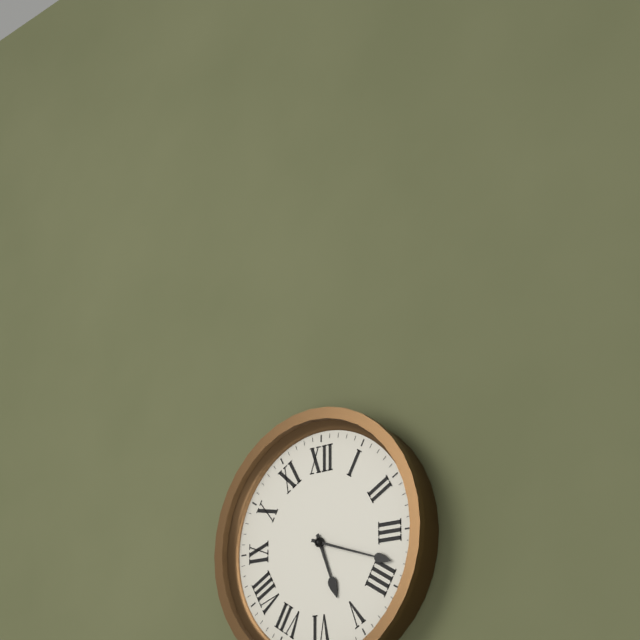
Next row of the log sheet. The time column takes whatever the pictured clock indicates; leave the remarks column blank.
5:18
